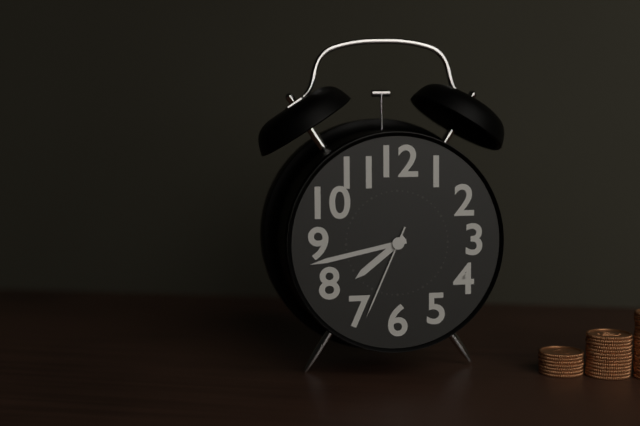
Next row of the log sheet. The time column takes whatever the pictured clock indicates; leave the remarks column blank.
7:43:34
